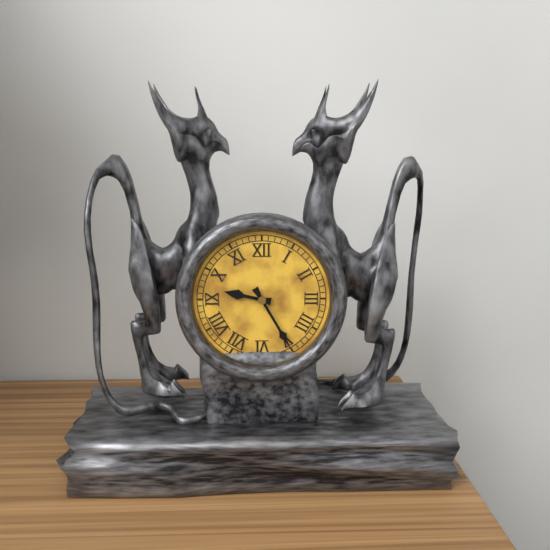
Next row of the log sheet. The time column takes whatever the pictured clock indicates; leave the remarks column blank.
9:25
